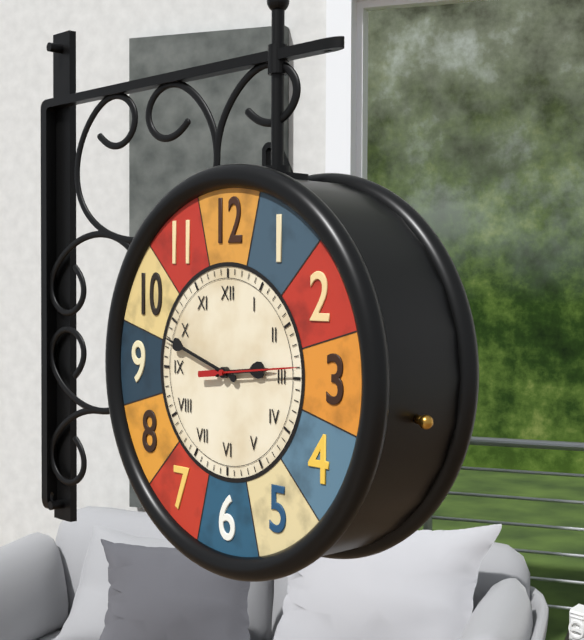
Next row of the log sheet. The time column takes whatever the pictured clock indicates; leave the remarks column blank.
2:48:14
